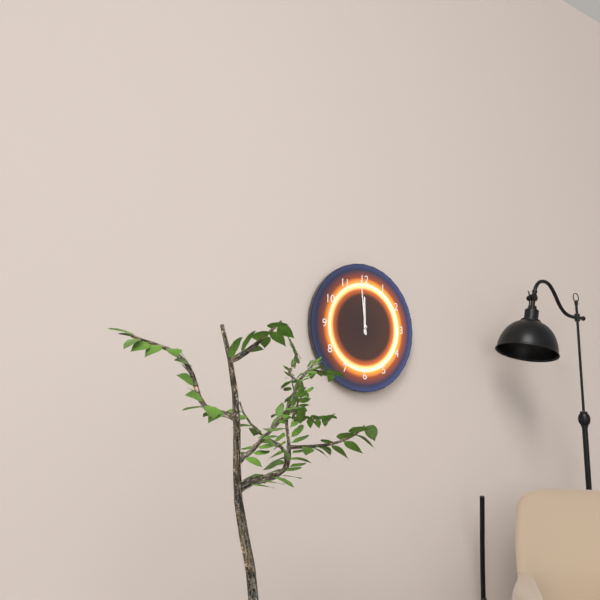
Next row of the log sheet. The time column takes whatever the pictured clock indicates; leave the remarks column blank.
11:59
